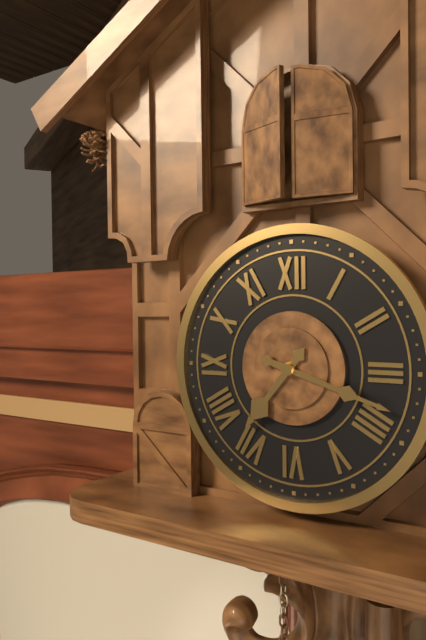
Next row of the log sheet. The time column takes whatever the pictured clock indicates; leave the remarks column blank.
7:18
